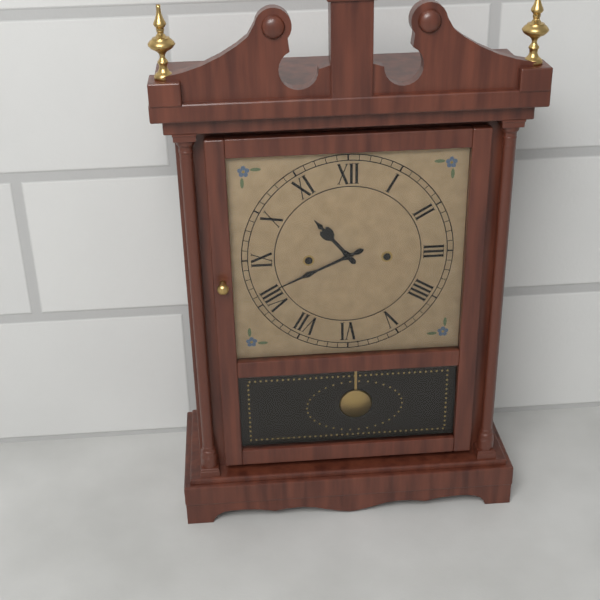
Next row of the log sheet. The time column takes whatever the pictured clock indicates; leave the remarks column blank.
10:41
